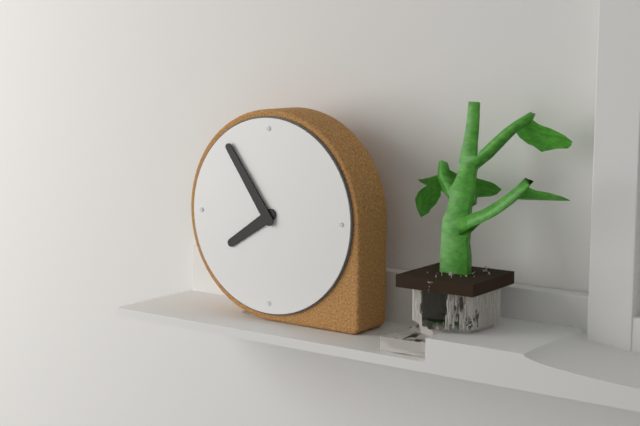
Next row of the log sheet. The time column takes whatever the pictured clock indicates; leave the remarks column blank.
7:54
